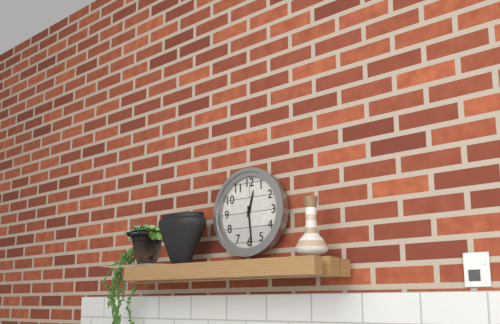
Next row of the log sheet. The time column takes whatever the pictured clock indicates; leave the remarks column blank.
12:29
